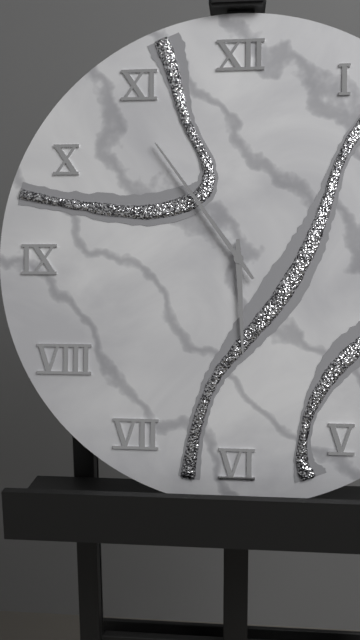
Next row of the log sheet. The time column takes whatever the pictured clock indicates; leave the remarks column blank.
5:54
